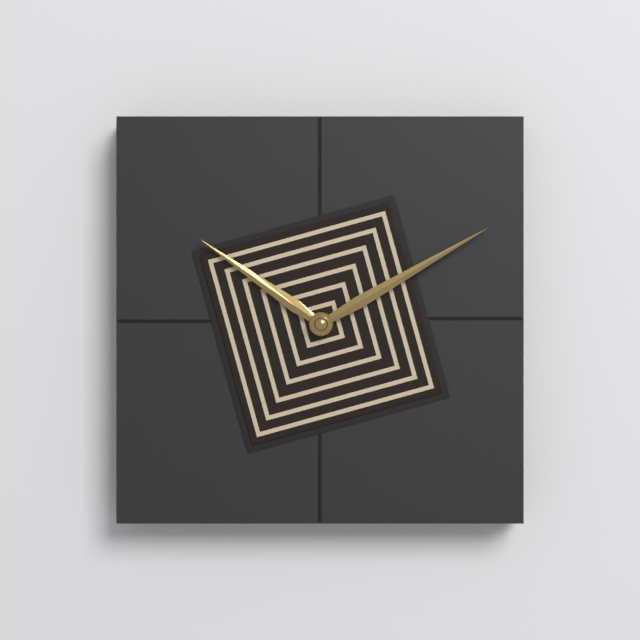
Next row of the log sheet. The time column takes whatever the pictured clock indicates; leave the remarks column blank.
10:10
